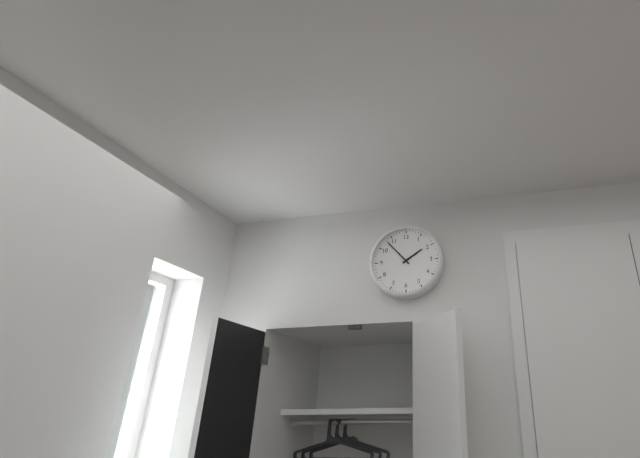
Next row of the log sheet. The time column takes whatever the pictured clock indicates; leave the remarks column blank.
1:53
